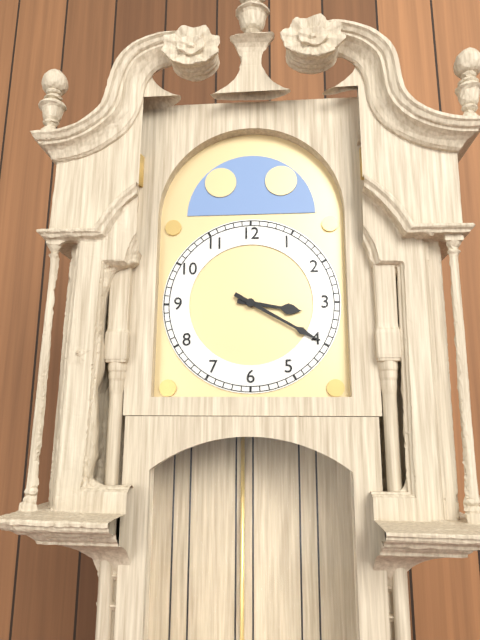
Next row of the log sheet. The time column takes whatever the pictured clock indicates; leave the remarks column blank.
3:20
